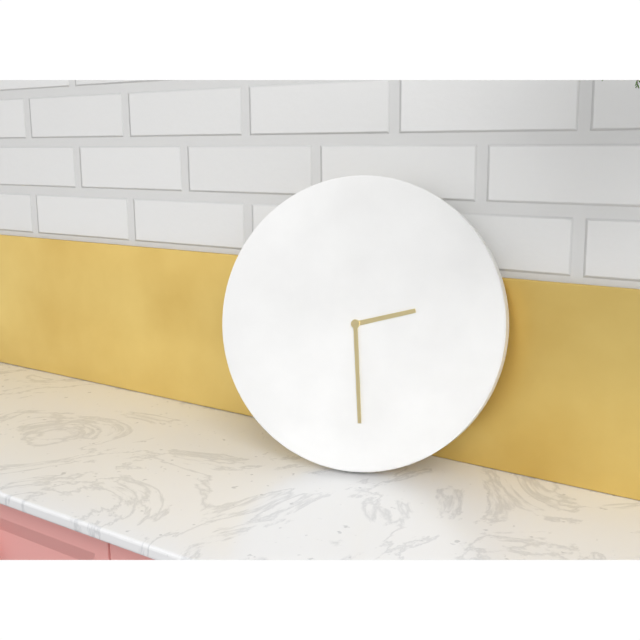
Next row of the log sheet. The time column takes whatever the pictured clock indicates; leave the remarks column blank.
2:29
